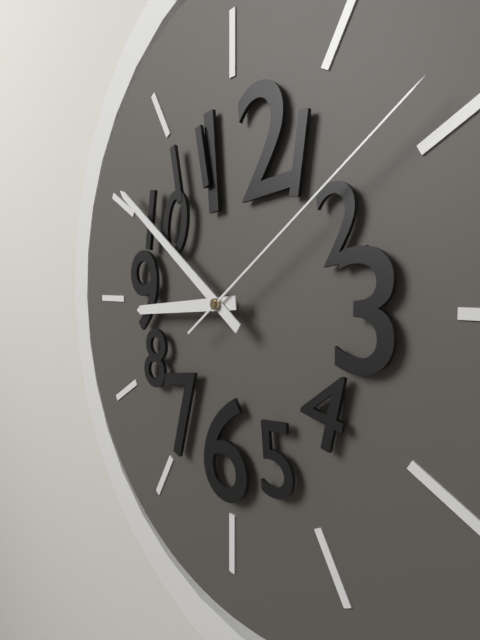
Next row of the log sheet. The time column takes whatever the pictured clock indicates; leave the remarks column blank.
8:51:09
